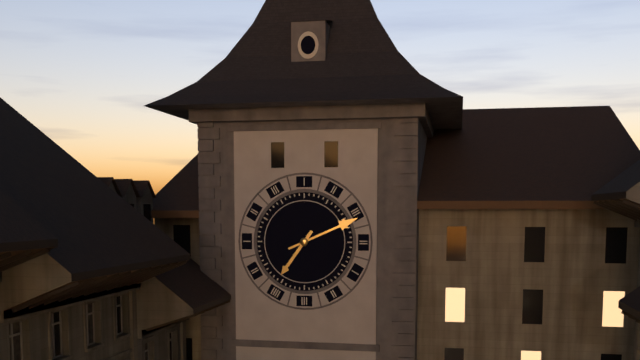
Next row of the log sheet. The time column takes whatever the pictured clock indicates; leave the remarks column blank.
7:11
